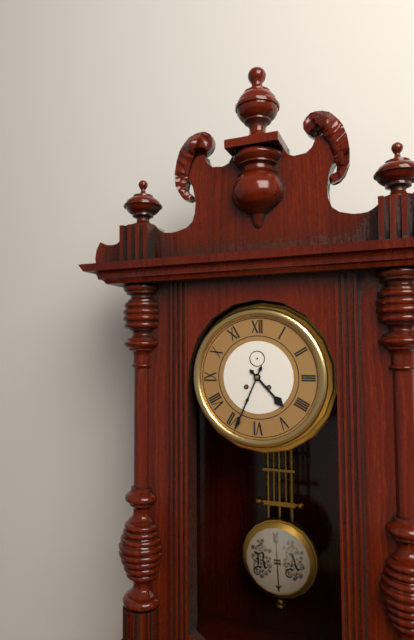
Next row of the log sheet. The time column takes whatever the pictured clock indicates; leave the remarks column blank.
4:34
